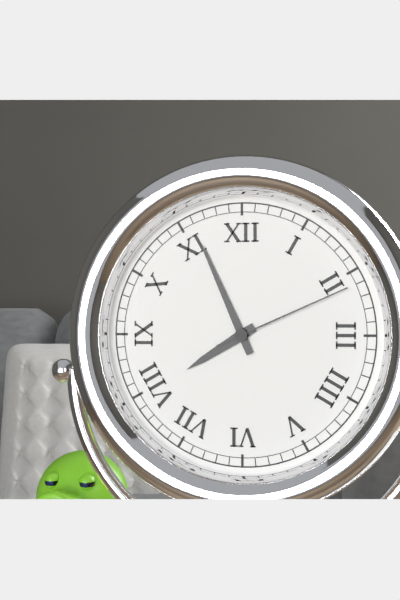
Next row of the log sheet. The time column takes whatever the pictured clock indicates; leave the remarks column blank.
7:56:11
